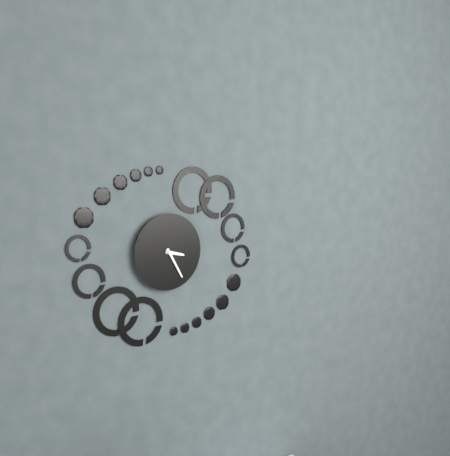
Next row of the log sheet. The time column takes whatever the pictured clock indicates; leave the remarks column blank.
3:25
